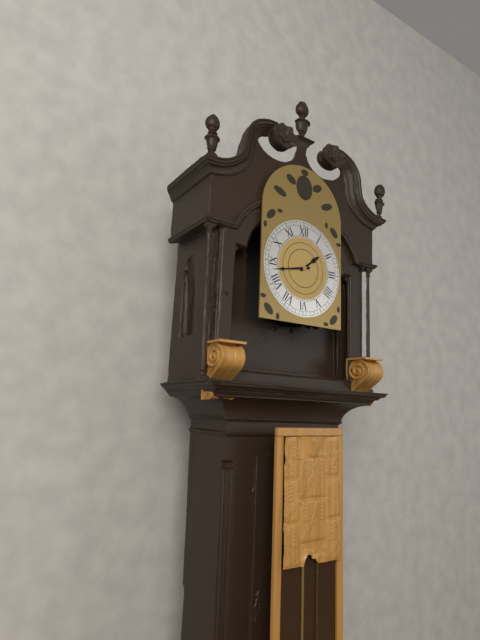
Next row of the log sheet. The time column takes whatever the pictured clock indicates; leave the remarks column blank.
1:43
